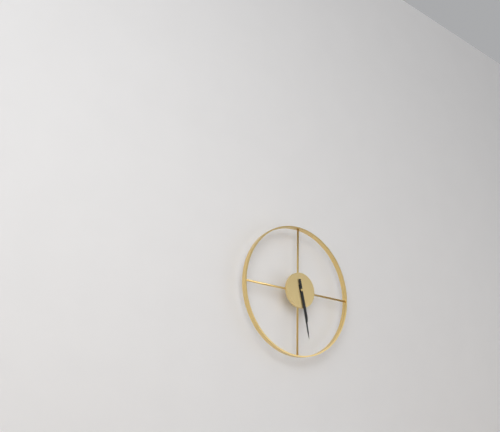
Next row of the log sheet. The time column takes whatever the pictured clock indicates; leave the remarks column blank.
5:28
